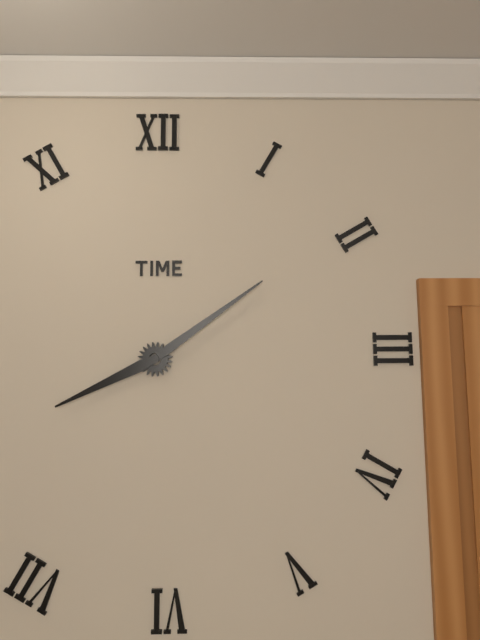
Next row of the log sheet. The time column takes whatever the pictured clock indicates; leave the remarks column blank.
8:09
